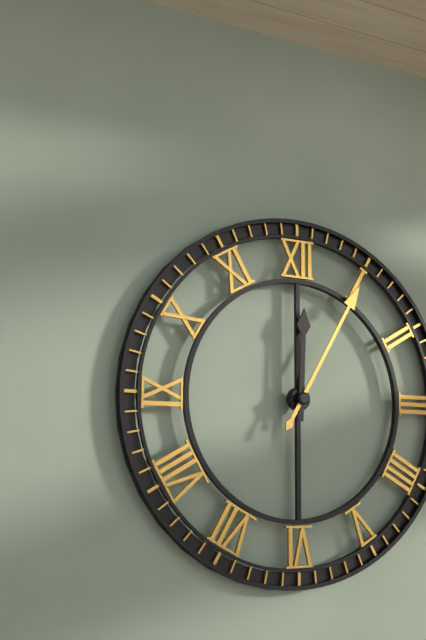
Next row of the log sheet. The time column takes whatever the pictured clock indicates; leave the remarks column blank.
12:05
